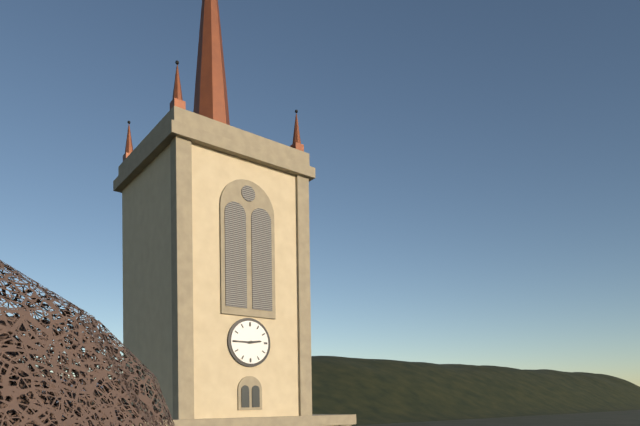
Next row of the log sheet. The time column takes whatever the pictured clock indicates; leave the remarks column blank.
2:45
